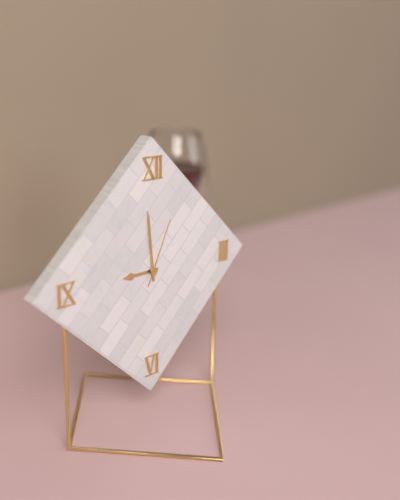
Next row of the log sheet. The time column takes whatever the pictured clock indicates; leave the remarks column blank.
8:59:04
